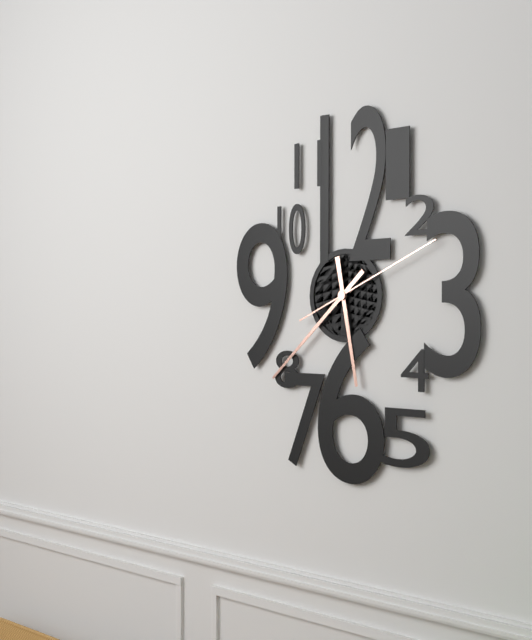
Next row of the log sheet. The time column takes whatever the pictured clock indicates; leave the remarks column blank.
5:38:11
